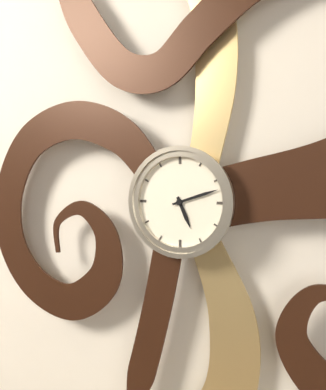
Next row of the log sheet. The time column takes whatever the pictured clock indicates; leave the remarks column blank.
5:12
